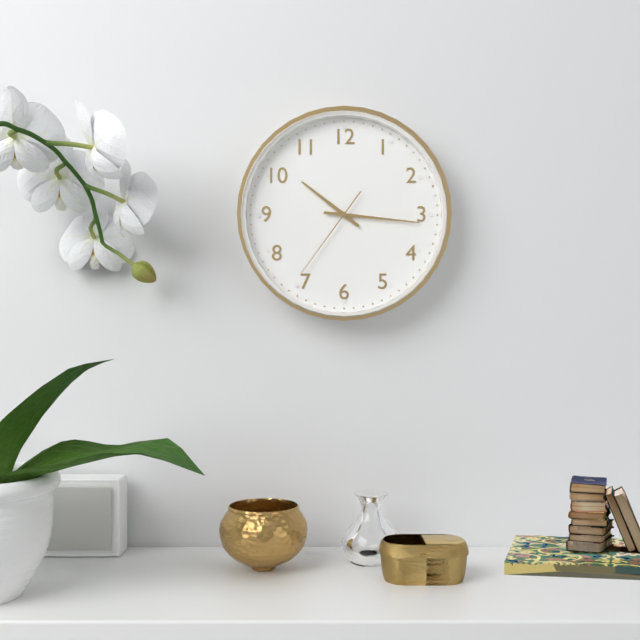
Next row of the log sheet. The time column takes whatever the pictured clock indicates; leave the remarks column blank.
10:16:36
